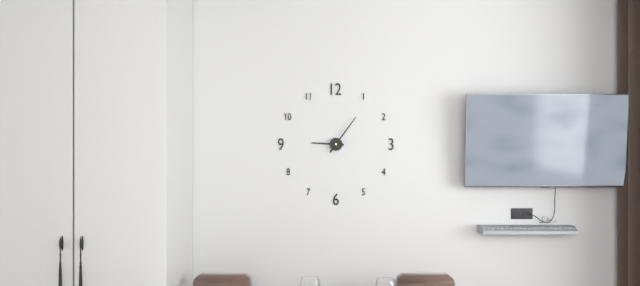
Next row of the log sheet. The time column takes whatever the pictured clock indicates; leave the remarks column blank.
9:06
